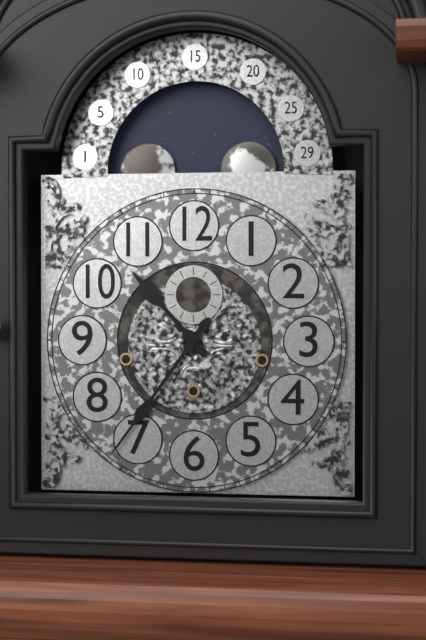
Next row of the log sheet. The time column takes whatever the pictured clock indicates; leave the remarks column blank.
10:36
